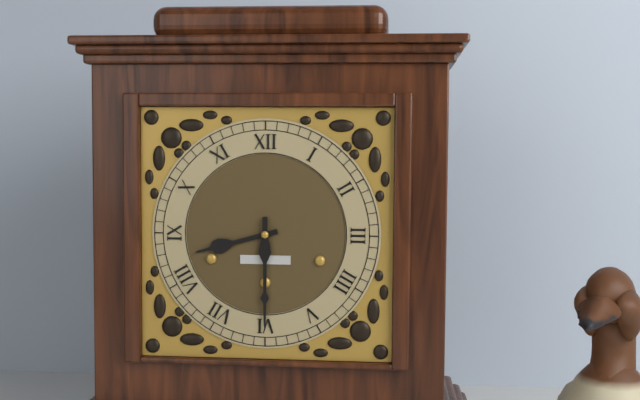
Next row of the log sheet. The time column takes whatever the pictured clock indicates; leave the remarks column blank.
8:30
